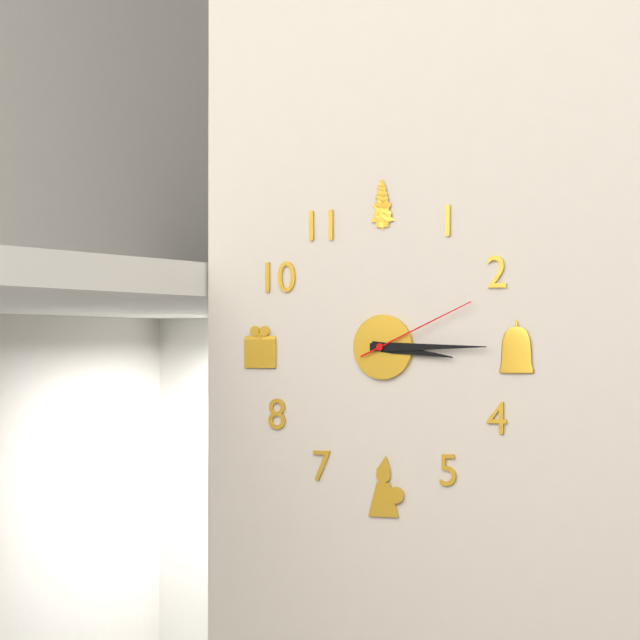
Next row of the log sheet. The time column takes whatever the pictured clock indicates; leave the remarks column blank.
3:15:11
